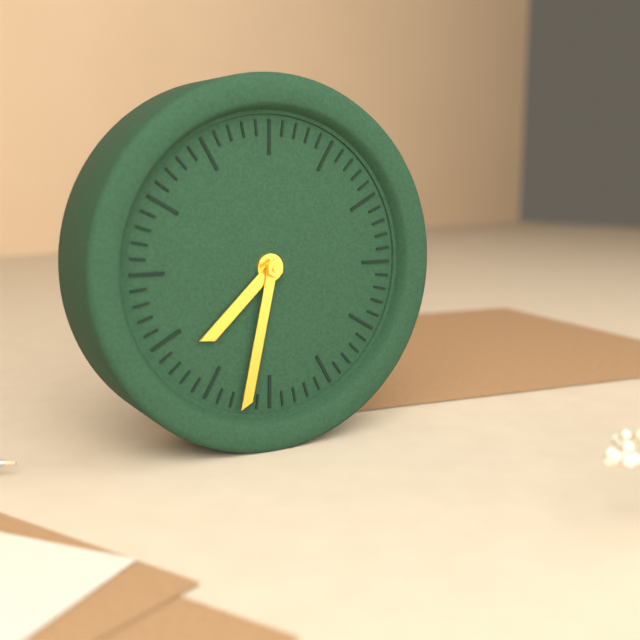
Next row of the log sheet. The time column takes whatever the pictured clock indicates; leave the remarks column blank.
7:32
